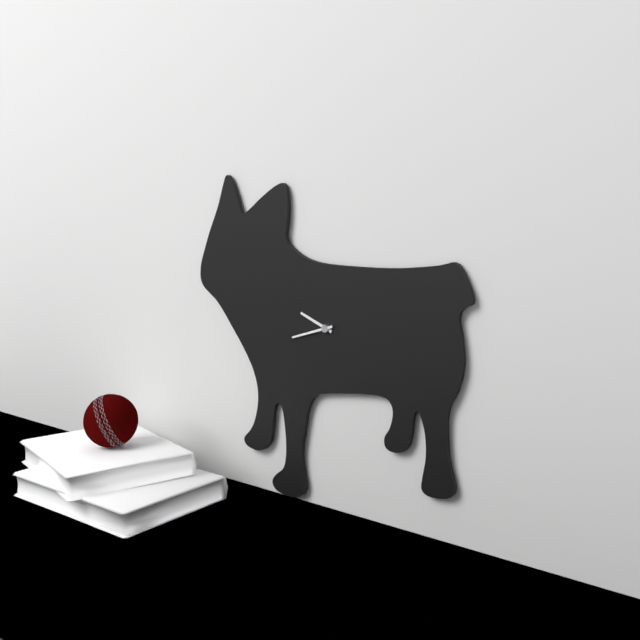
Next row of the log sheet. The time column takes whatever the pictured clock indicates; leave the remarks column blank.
9:42
